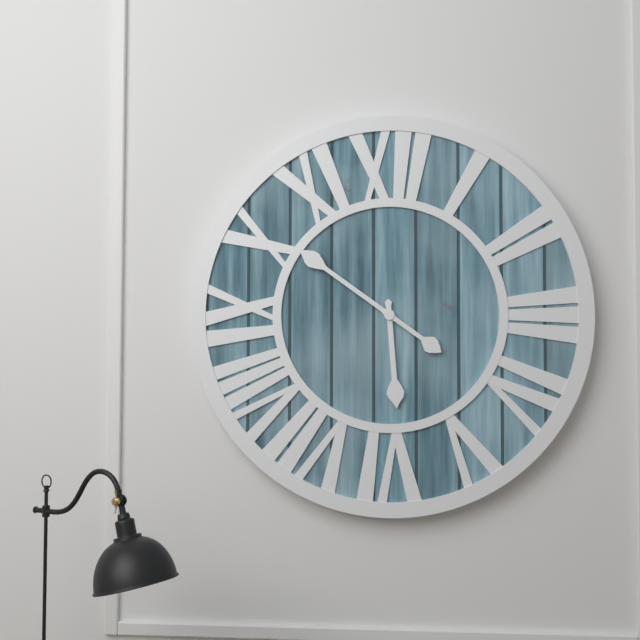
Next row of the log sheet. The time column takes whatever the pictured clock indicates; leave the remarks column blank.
5:51
